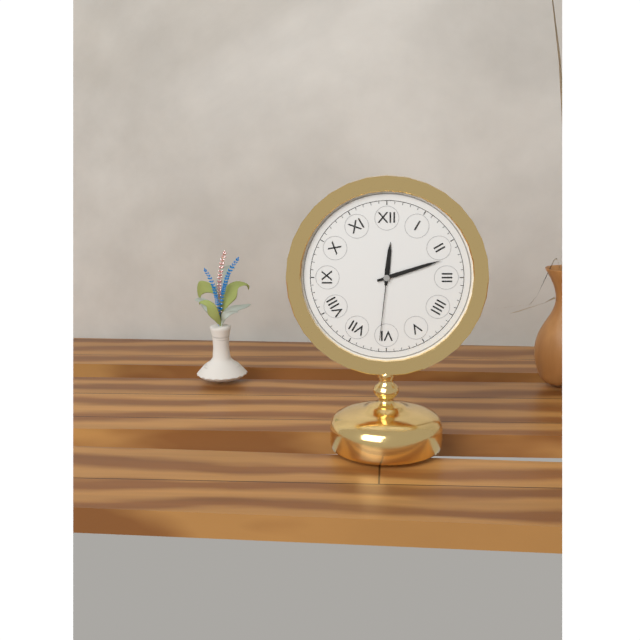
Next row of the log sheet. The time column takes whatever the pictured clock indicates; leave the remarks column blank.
12:12:31
